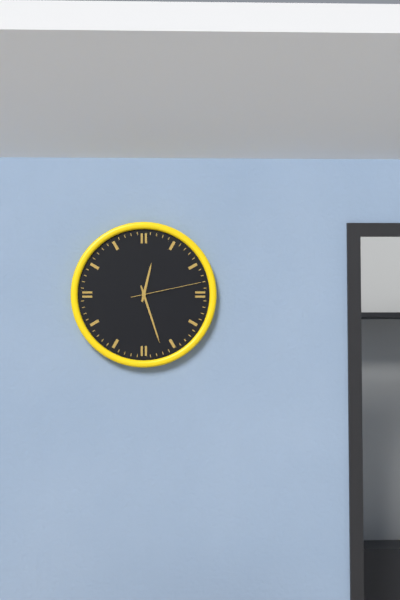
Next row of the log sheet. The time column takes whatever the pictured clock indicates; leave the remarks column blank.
12:27:13
